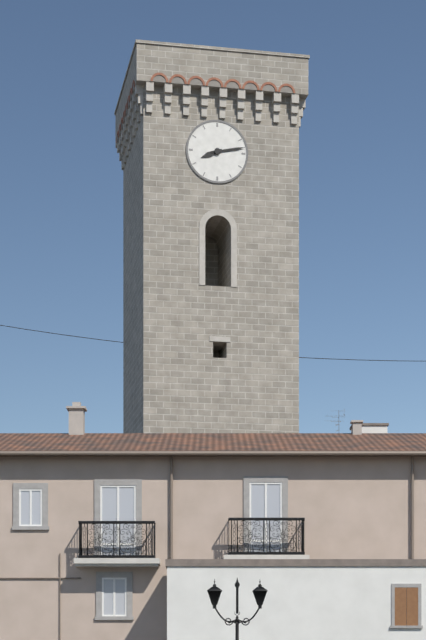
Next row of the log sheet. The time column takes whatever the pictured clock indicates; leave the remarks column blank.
8:13
